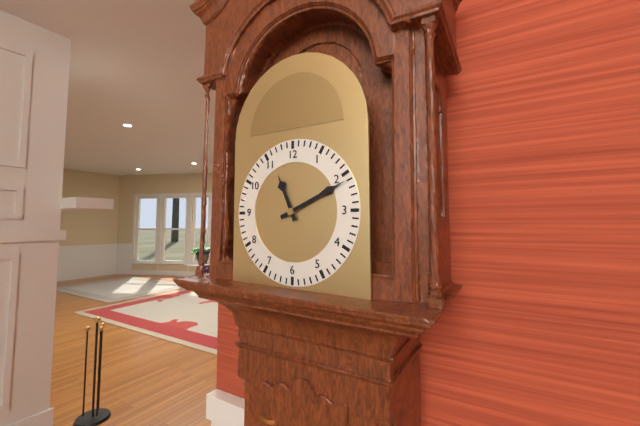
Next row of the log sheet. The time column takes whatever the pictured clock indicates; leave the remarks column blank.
11:11
